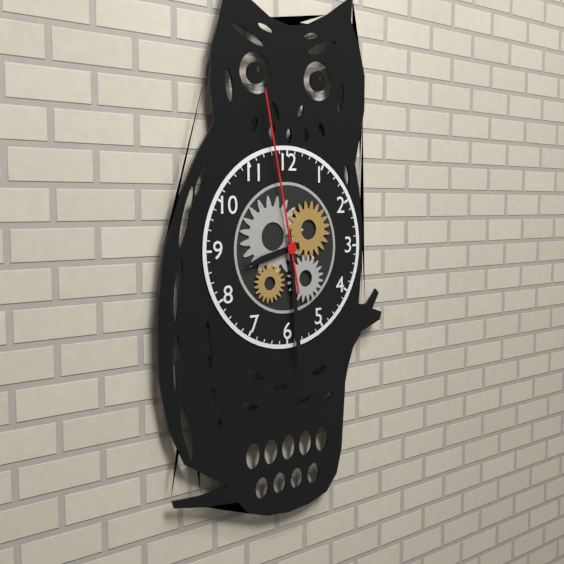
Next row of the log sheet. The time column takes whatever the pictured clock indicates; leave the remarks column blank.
8:29:58
